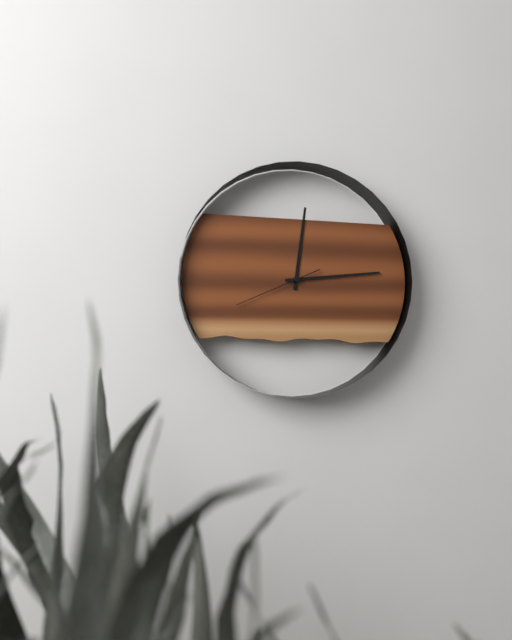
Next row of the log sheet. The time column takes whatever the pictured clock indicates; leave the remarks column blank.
12:14:41
